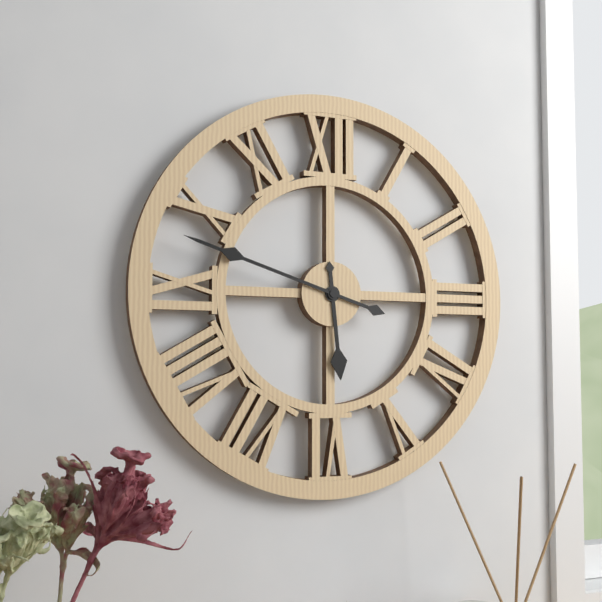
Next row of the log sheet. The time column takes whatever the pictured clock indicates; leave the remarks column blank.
5:48
